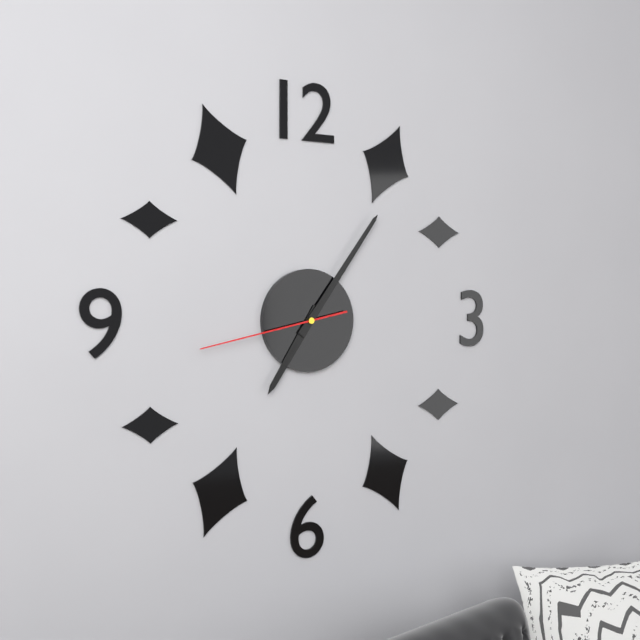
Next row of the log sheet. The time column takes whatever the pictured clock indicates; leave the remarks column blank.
7:06:43
